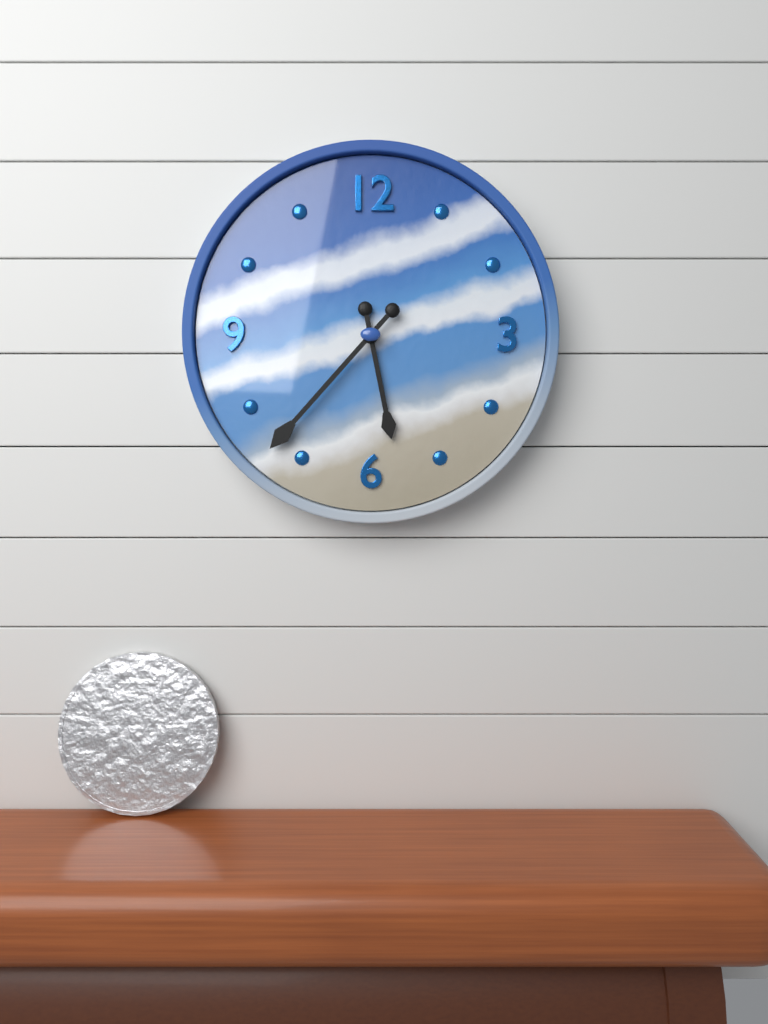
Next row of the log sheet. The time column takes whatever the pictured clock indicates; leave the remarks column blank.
5:37
